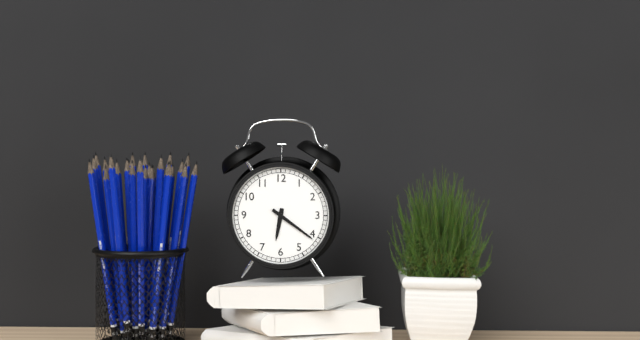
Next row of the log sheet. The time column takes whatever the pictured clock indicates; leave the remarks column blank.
6:21
